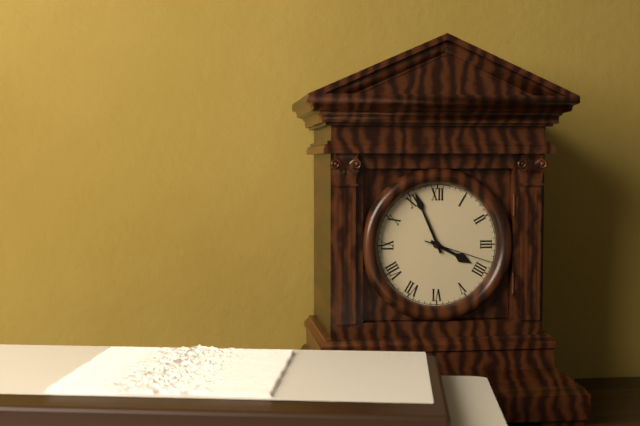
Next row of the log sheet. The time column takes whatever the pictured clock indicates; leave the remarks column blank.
3:56:18
